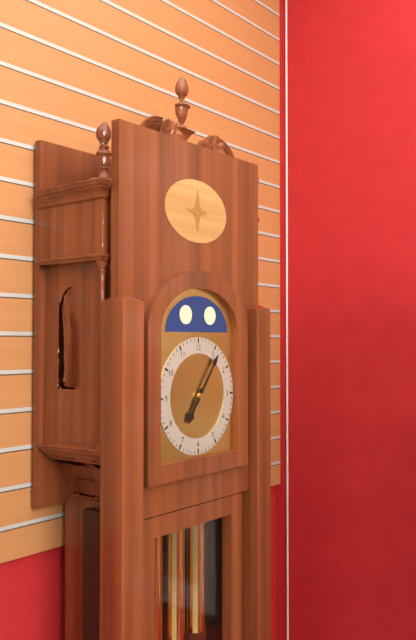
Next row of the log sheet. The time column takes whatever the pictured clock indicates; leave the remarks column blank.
7:06
